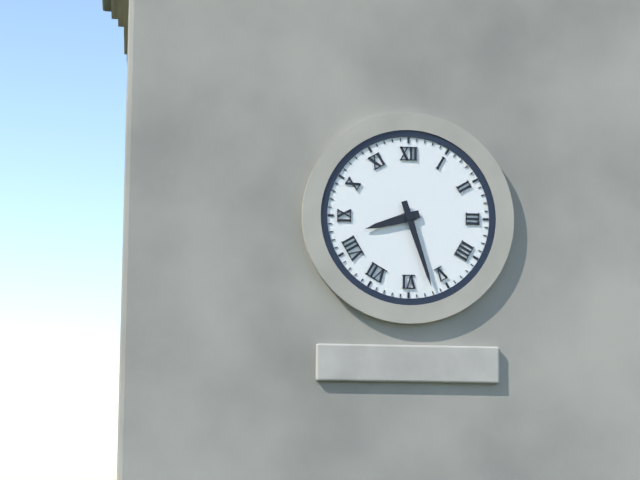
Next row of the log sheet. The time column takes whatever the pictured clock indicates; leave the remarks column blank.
8:27
